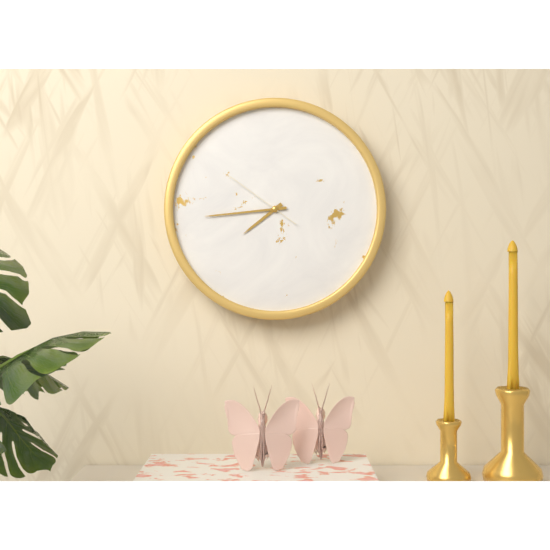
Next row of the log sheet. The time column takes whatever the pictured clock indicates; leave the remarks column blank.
7:44:51
